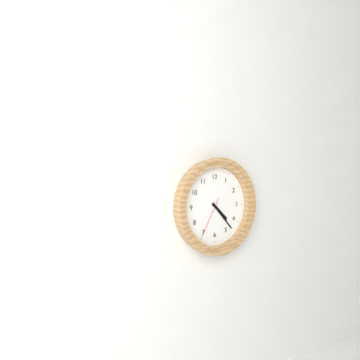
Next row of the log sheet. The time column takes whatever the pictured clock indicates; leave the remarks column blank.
4:23
